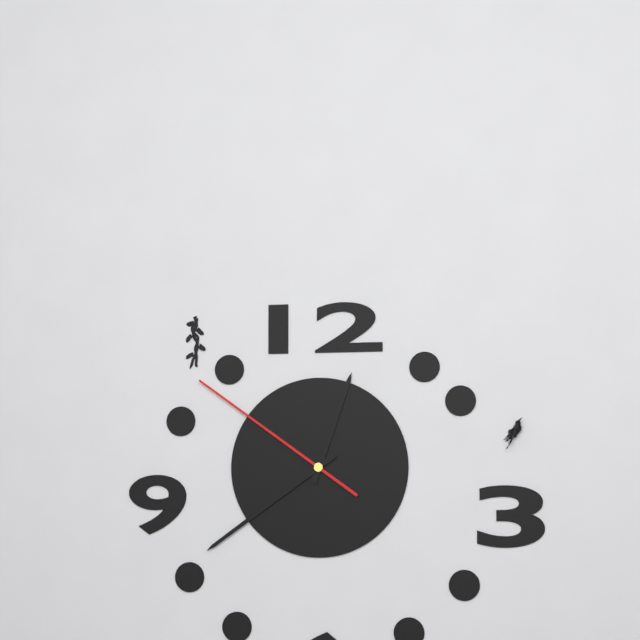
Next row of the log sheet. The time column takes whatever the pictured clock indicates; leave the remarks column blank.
12:39:51
